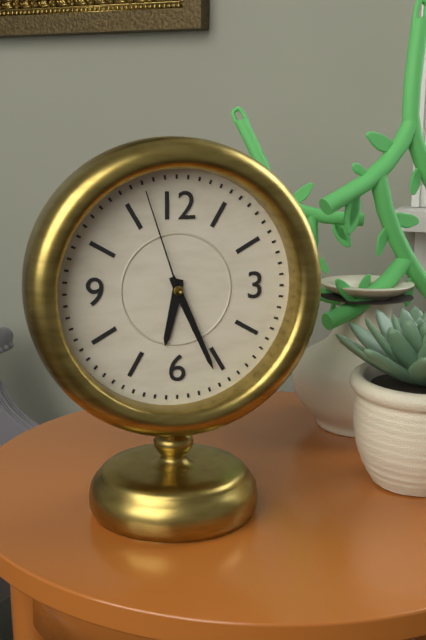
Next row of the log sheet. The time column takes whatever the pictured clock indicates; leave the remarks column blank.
6:26:57
